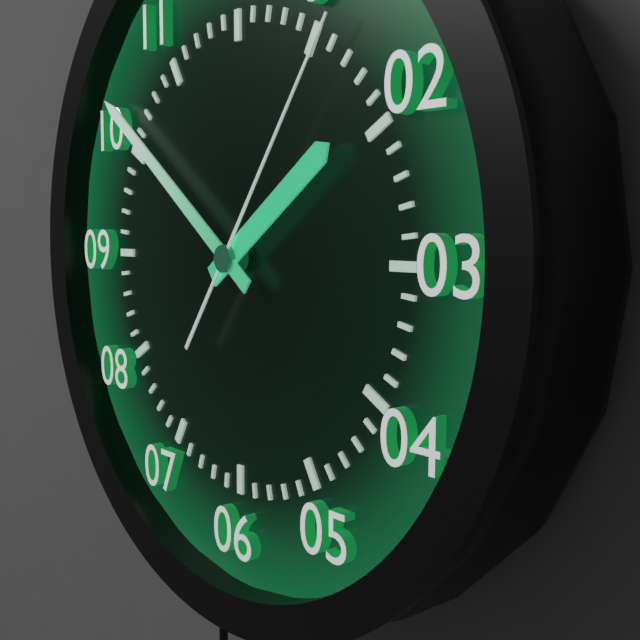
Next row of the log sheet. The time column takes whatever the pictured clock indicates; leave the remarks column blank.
1:51:06
